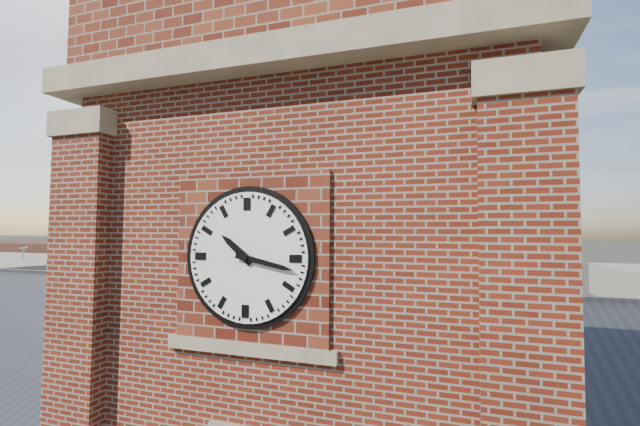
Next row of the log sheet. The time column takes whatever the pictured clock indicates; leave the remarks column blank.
10:17
